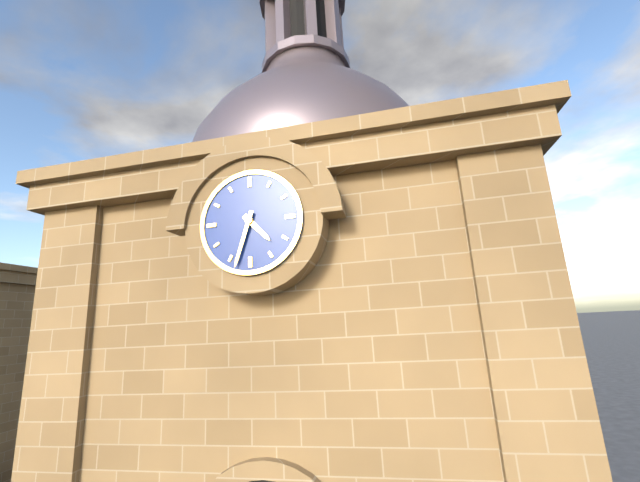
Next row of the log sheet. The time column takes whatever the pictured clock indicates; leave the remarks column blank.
4:33
